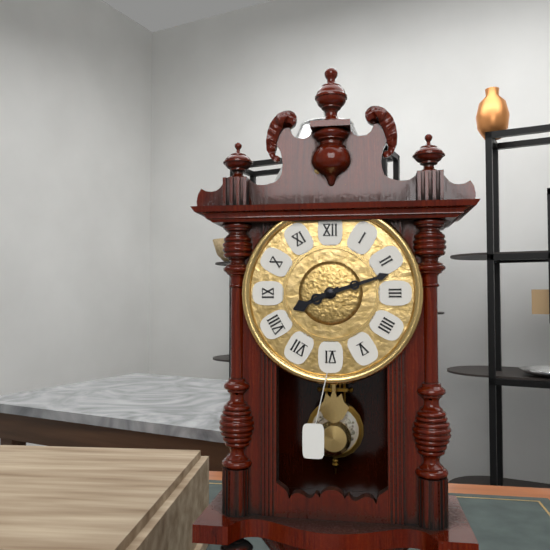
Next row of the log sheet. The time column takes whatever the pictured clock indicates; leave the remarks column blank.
8:12
